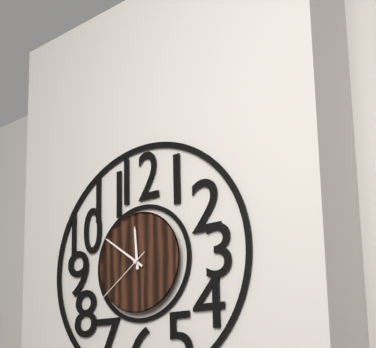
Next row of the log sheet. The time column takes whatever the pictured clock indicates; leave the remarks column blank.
11:51:39
